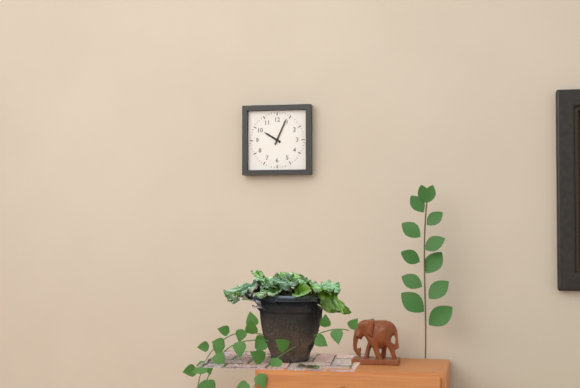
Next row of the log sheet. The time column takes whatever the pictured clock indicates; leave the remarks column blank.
10:04
